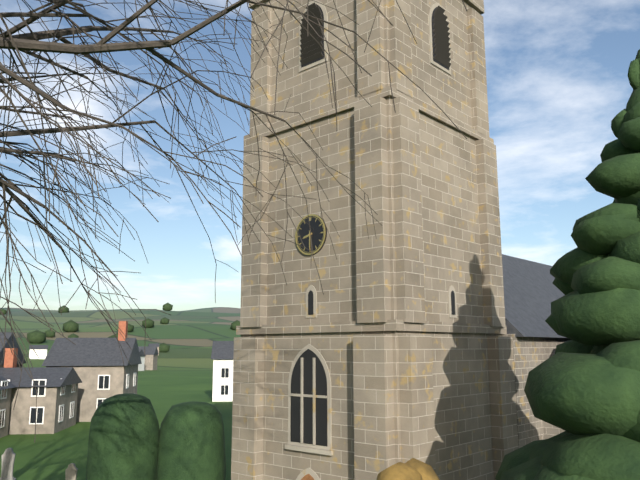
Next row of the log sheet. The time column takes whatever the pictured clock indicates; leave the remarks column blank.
8:30
